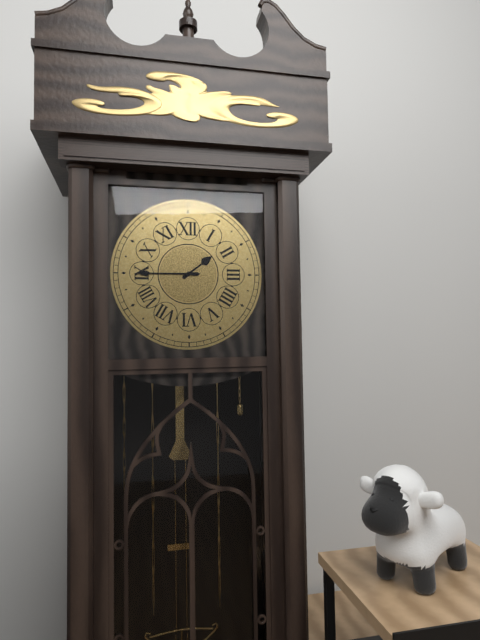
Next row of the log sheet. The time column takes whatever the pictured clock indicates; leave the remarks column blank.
1:45
